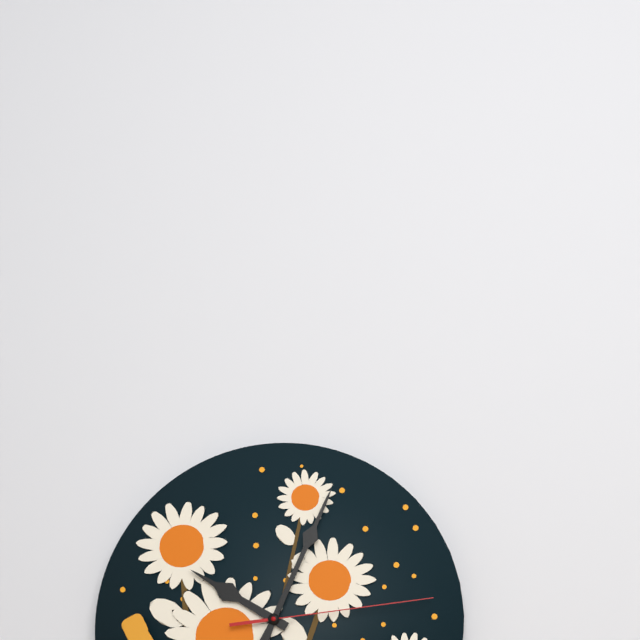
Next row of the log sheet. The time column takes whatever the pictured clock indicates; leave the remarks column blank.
10:04:14
